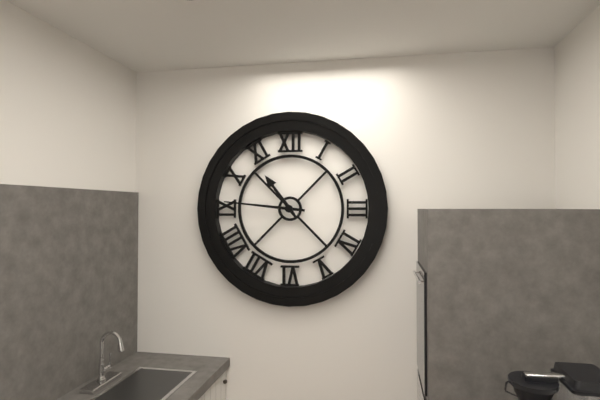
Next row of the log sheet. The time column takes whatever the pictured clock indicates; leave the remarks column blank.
10:46
